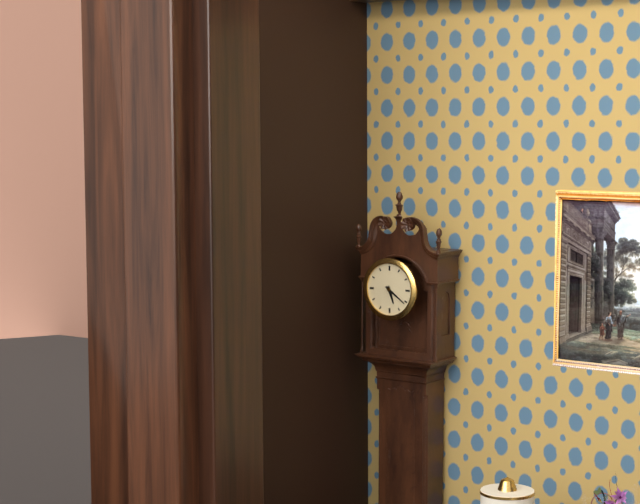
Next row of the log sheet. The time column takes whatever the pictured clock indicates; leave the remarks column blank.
5:21
